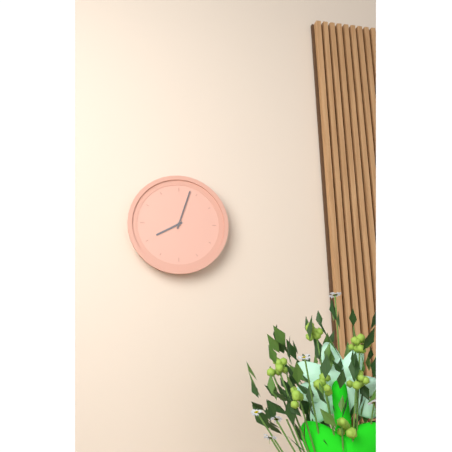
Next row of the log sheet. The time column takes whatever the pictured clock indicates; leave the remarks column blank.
8:03
